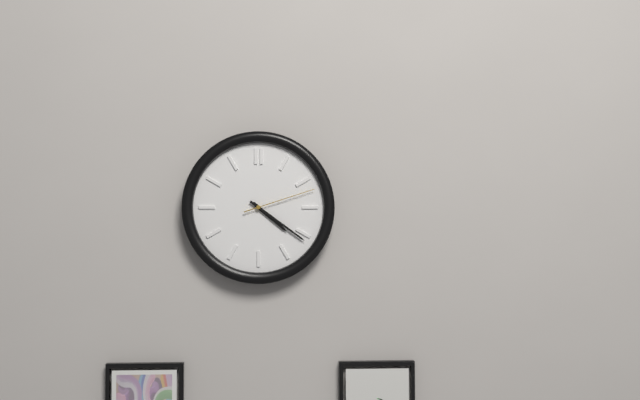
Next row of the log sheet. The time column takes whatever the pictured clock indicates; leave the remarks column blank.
4:21:12
